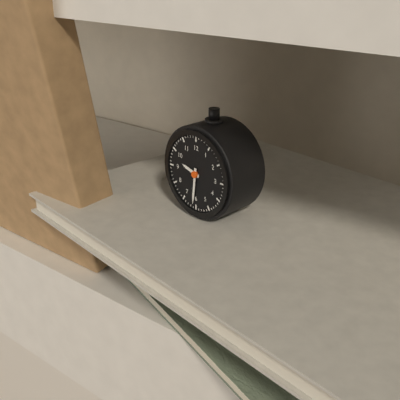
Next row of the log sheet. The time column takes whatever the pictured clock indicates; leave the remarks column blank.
9:31
